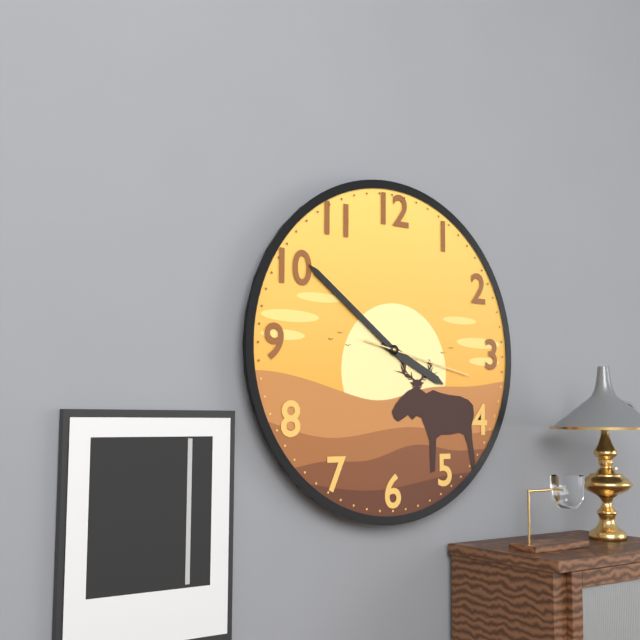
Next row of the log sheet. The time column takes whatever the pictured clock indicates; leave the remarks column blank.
3:51:17
